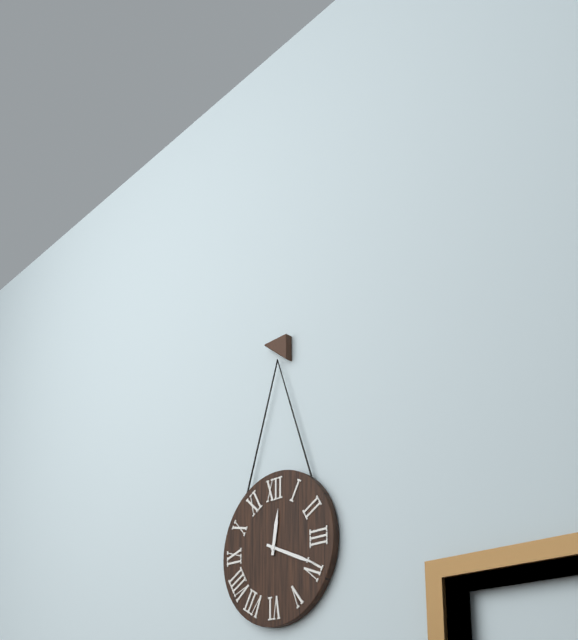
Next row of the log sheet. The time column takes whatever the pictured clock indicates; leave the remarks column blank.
12:19
